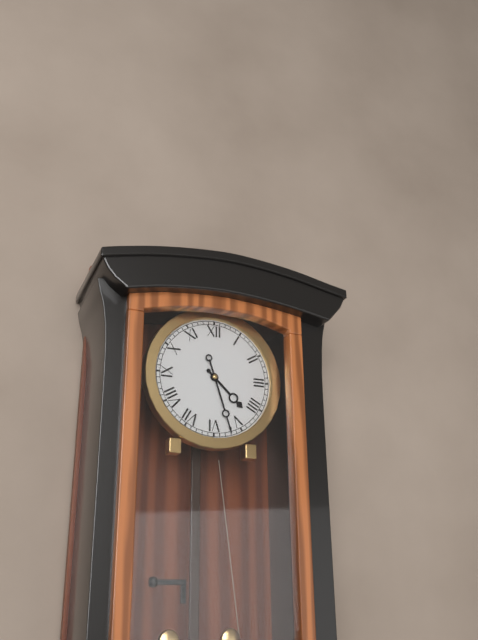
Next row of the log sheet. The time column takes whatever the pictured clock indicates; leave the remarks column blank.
4:27
